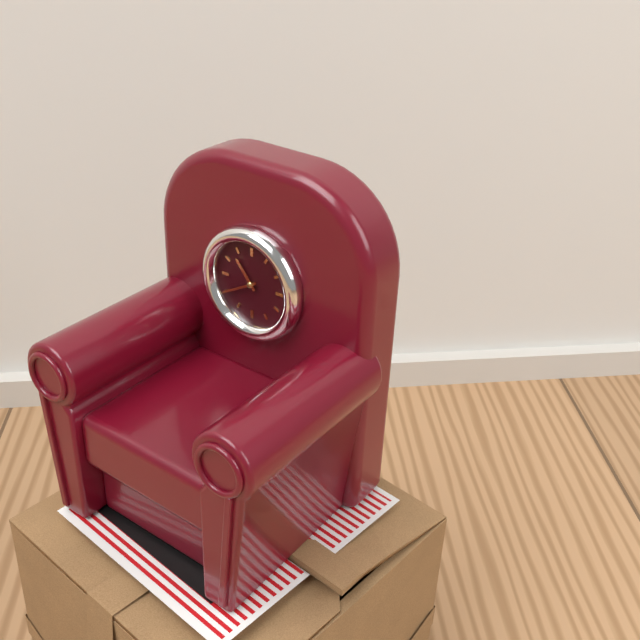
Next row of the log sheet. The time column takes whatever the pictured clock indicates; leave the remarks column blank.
10:40
